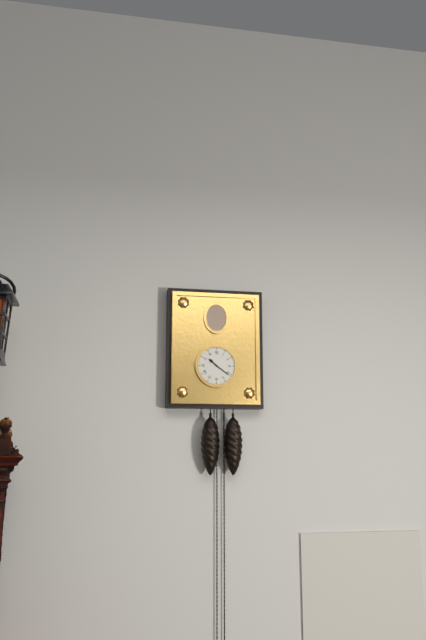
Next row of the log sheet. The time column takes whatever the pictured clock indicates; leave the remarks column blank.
10:21
